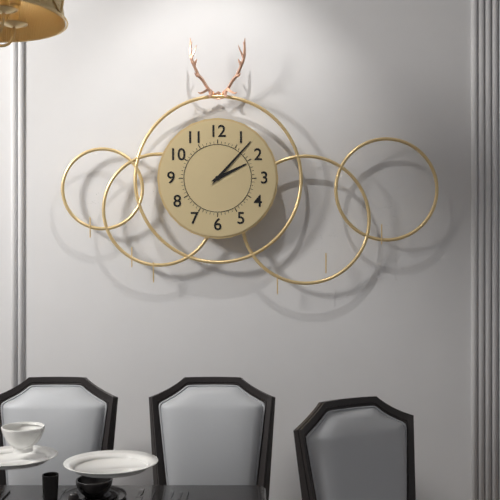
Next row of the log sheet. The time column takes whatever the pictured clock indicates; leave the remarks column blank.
2:07
